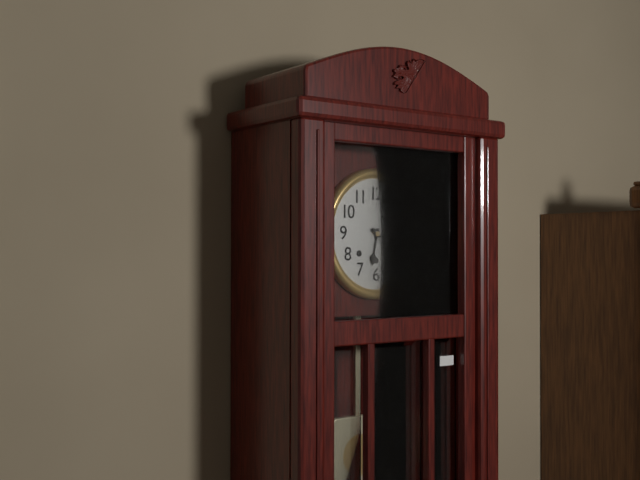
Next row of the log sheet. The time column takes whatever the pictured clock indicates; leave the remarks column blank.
6:21
